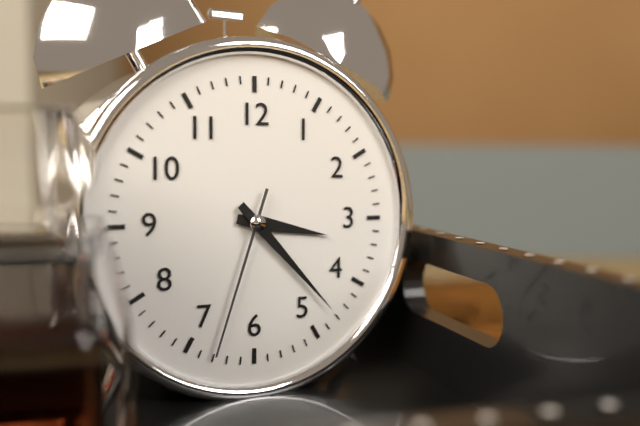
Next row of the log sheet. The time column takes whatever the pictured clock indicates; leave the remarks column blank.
3:23:33
